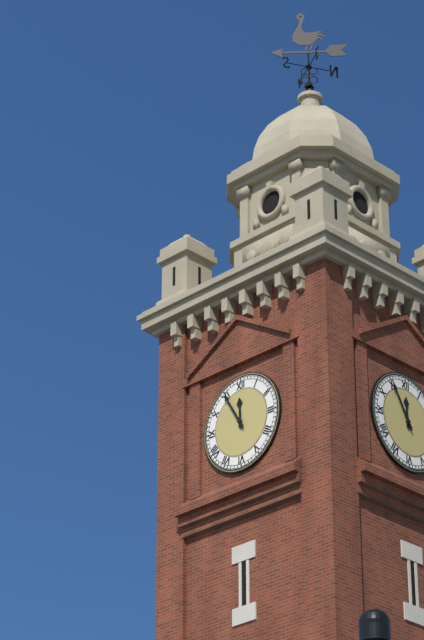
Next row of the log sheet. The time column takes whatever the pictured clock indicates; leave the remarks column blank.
11:55
